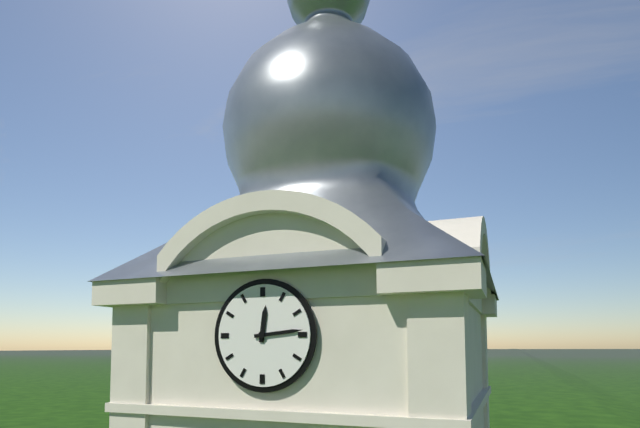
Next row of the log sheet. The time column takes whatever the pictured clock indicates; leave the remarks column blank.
12:14
